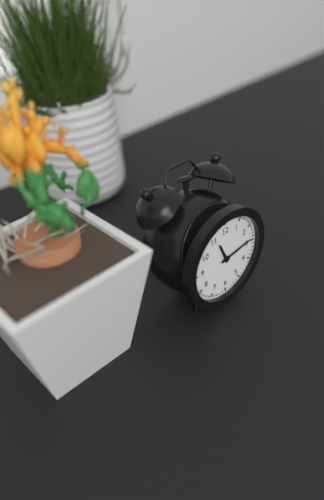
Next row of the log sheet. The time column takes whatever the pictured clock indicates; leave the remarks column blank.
11:14
